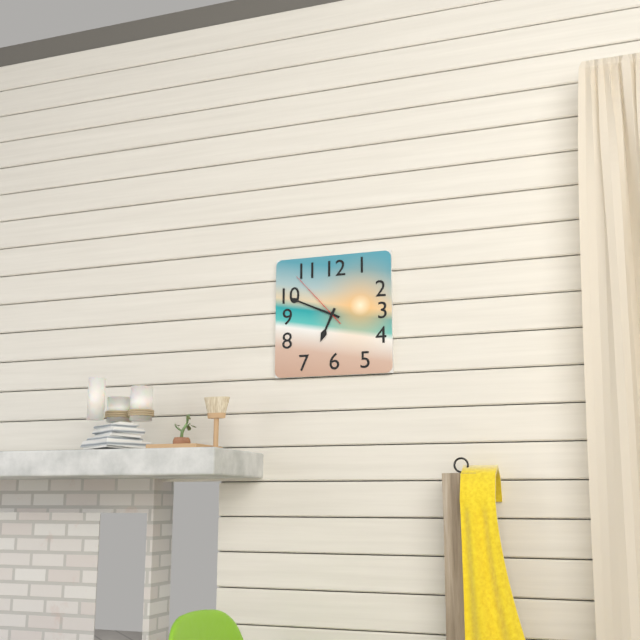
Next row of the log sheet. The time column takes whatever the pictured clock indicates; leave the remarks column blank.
6:49:53
